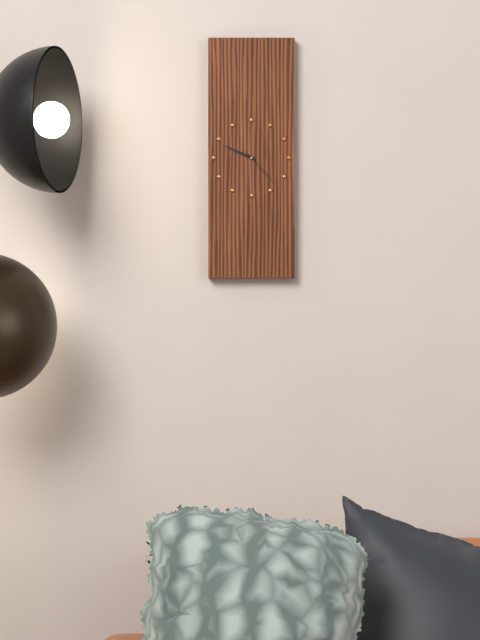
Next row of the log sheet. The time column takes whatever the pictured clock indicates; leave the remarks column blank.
9:49
